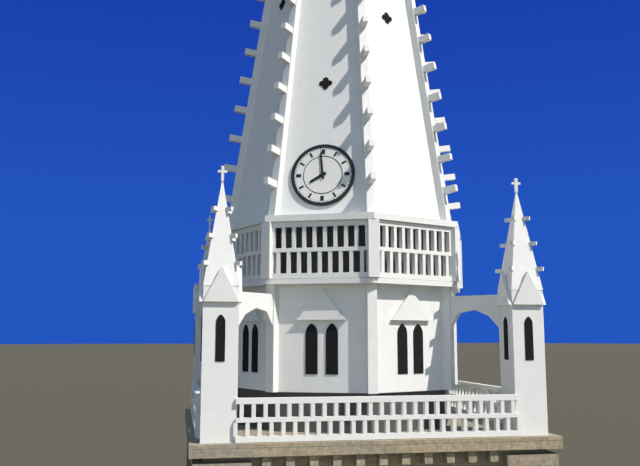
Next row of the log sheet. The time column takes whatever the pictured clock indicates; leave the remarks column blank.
7:59
